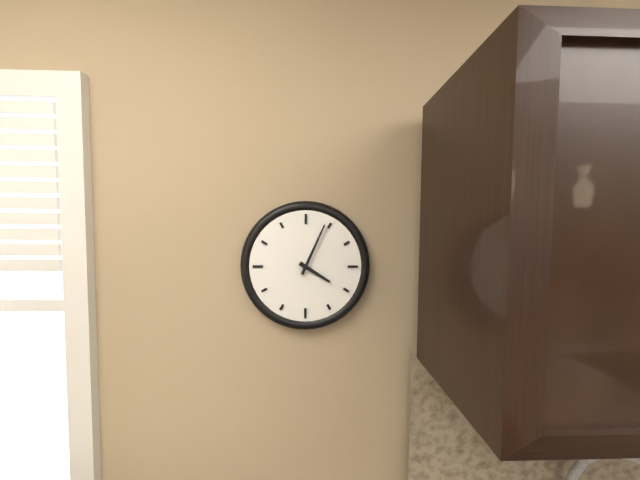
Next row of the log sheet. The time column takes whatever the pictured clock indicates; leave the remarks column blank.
4:04
